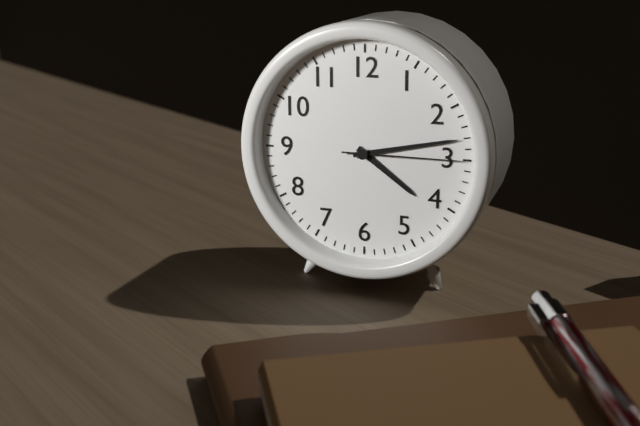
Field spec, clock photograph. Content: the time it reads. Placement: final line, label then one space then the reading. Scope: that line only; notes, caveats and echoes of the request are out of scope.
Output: 4:13:15
